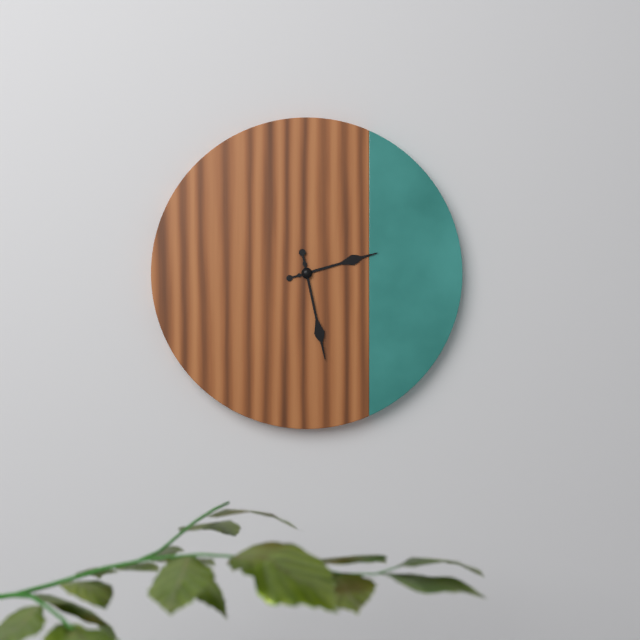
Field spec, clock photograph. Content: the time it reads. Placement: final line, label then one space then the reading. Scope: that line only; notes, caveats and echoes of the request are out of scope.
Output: 2:28
